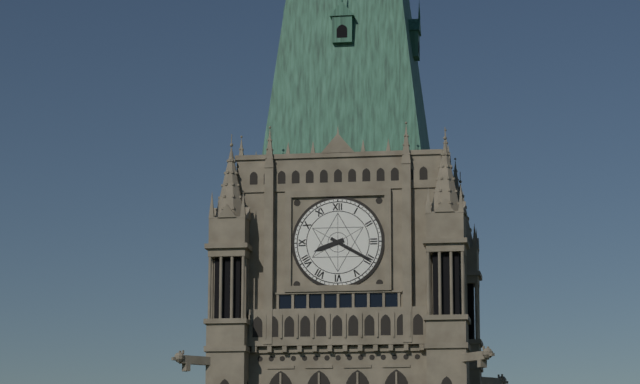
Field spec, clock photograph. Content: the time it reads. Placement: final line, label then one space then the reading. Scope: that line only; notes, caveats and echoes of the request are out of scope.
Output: 8:20
